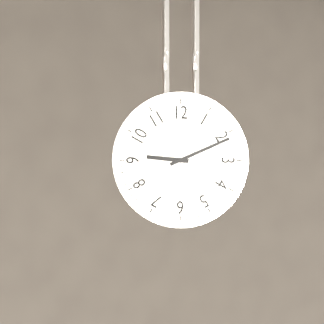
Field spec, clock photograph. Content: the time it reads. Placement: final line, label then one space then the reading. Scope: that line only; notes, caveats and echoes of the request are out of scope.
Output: 9:11
